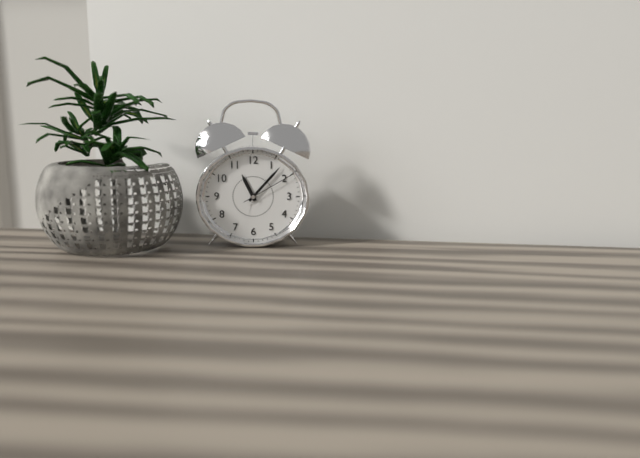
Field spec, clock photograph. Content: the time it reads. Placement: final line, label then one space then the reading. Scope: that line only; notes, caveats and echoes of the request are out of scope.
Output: 11:07:10
